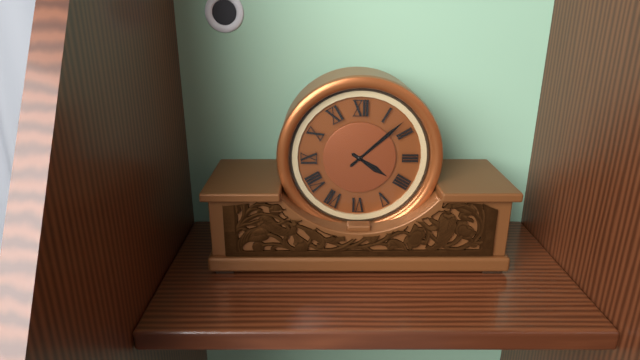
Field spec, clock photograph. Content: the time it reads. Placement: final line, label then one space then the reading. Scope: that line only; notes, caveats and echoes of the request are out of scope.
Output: 4:08
